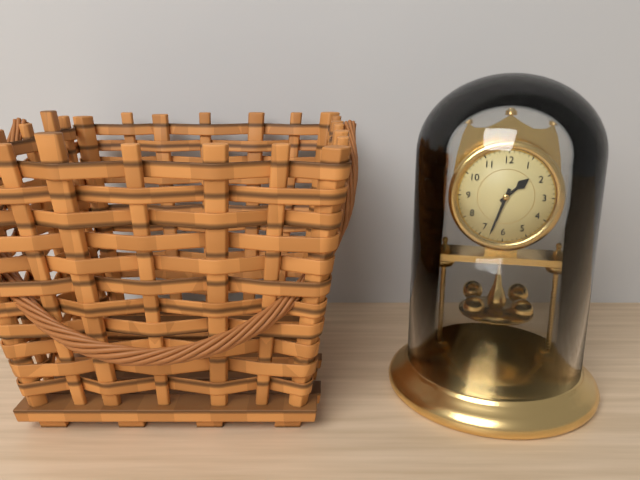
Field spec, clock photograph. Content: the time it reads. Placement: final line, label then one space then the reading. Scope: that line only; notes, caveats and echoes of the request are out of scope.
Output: 1:33
